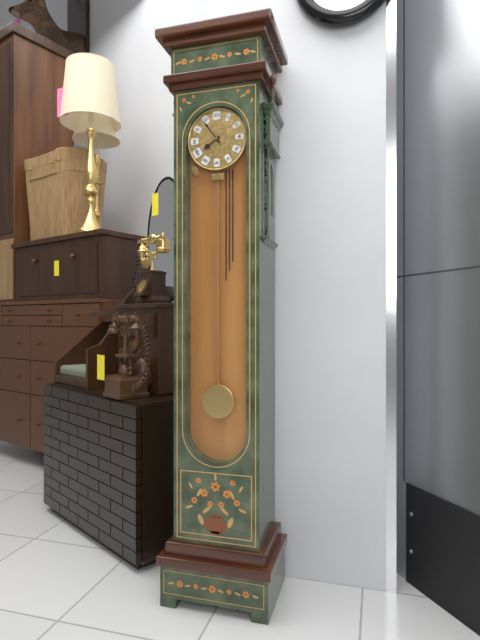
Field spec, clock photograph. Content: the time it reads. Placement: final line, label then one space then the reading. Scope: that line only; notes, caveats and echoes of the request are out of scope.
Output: 7:54
